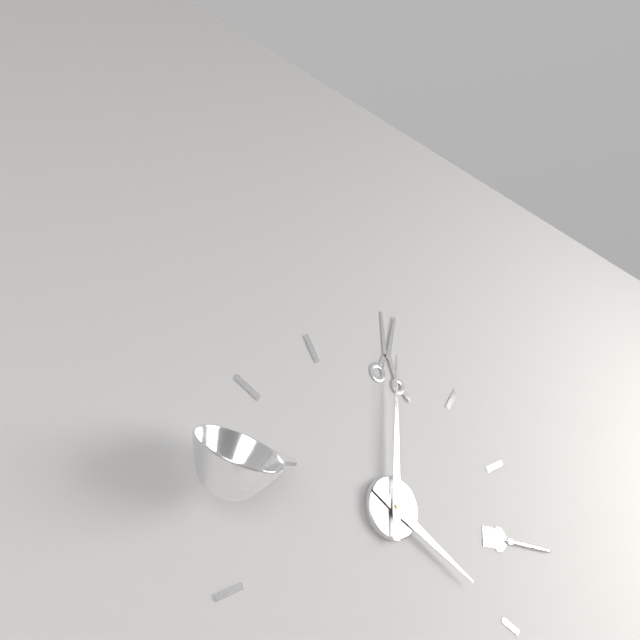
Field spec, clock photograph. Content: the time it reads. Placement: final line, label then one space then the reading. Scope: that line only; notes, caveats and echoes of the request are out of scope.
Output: 4:00
